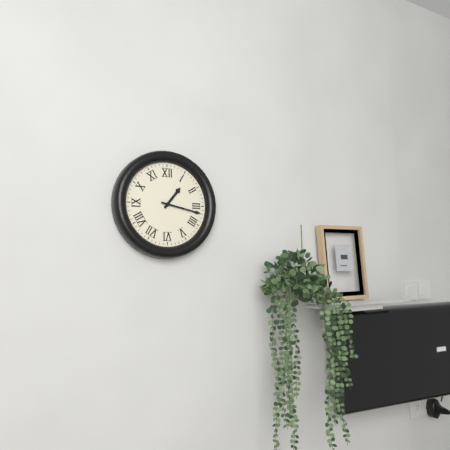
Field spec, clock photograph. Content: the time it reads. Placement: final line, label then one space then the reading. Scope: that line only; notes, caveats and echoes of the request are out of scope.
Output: 1:17
